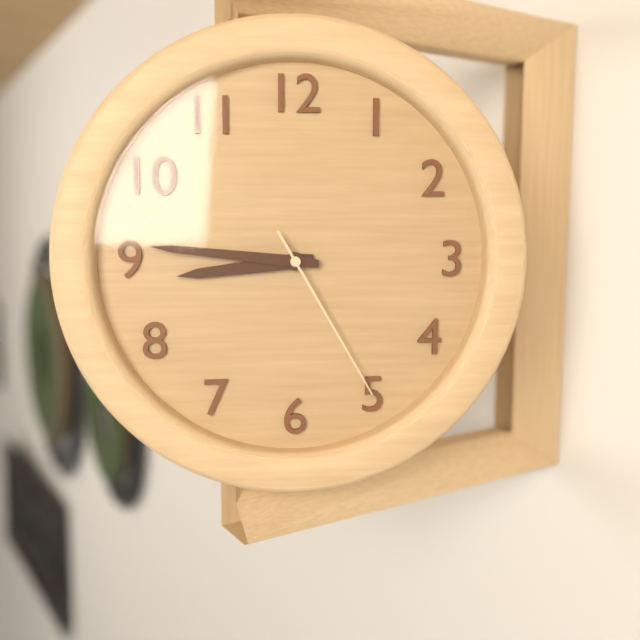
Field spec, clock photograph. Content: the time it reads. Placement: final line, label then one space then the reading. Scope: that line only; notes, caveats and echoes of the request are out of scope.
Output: 8:46:25
